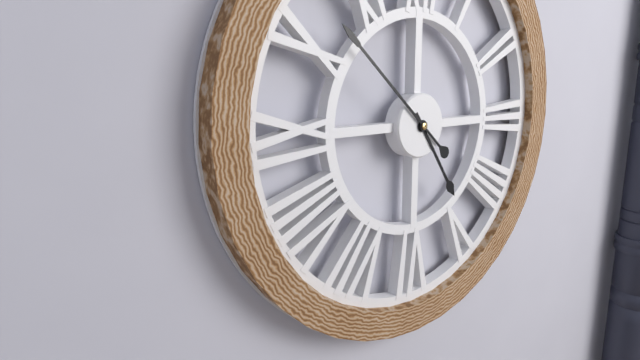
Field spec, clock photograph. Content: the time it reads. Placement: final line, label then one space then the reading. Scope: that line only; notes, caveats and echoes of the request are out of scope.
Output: 4:52
